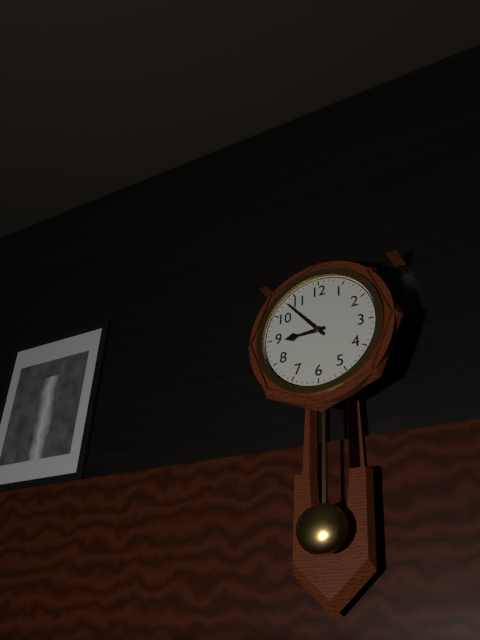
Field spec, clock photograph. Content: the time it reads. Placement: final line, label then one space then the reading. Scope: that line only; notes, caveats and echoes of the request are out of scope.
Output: 8:53
